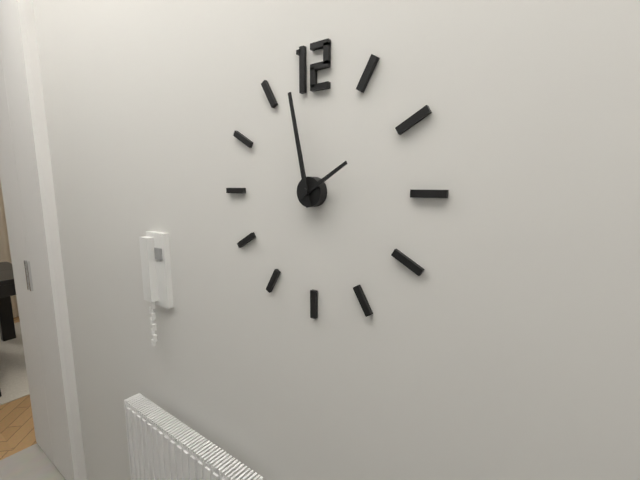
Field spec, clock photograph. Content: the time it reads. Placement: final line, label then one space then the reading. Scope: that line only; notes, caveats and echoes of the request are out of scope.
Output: 1:58
